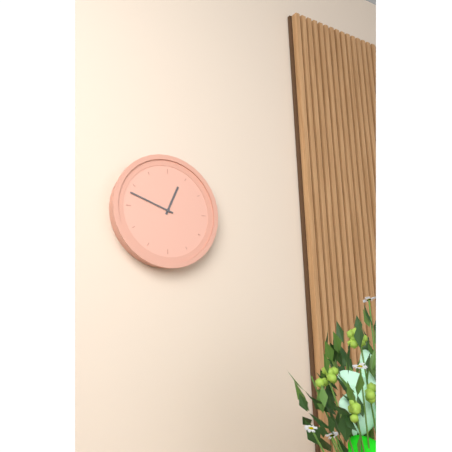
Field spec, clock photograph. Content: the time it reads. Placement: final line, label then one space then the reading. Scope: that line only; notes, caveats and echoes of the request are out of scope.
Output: 12:48
